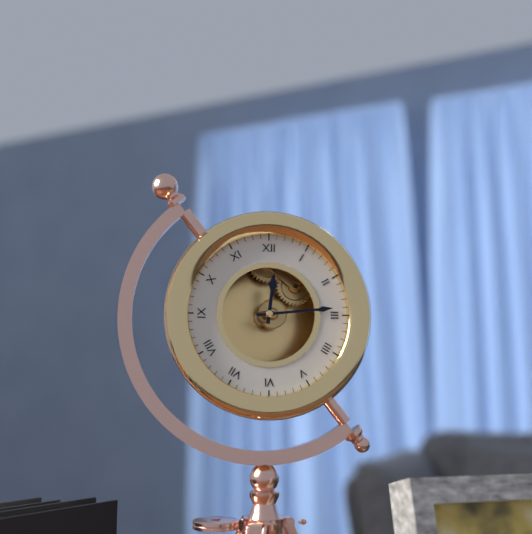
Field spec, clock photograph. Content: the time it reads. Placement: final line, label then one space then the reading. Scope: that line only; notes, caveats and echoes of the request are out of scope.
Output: 12:14
